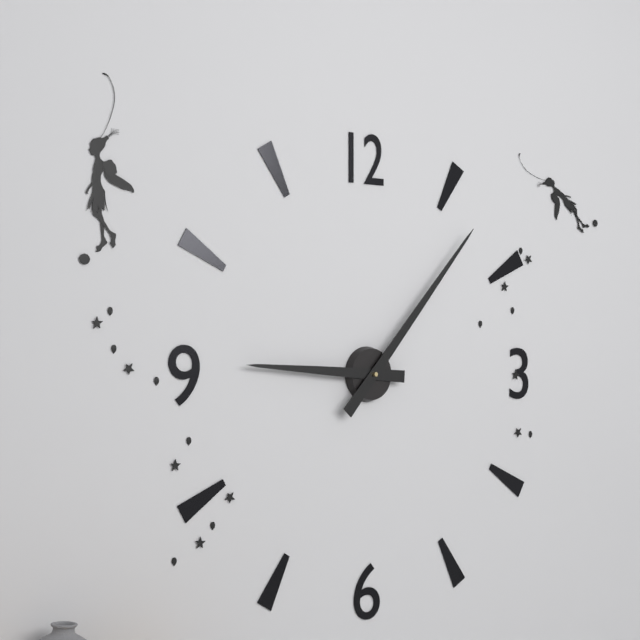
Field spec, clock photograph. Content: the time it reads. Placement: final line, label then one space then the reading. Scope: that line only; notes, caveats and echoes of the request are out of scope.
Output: 9:07
